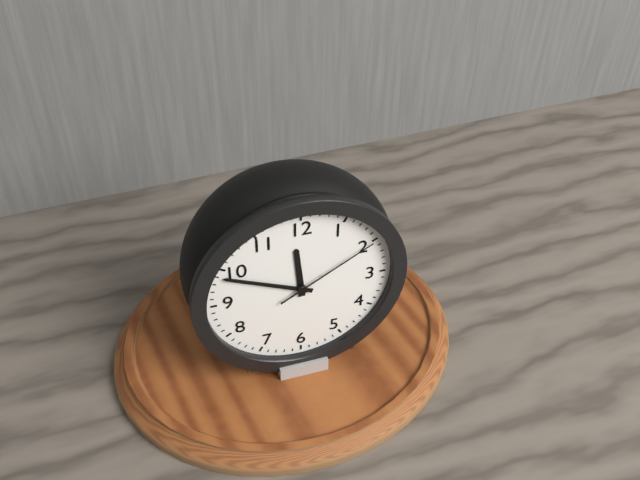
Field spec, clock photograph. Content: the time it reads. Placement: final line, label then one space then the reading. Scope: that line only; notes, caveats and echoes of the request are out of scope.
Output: 11:49:10
